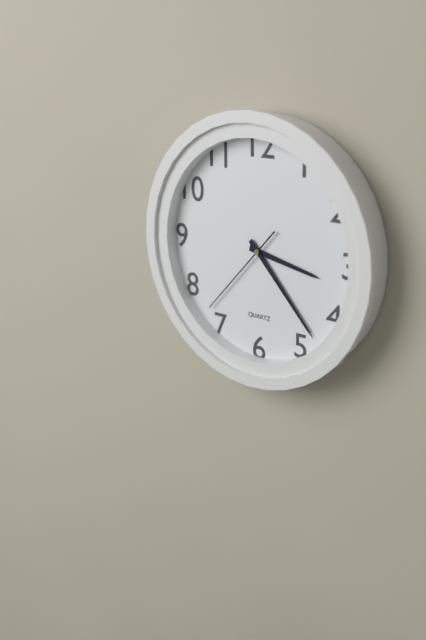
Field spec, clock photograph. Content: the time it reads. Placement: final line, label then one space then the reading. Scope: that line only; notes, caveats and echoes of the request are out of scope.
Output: 3:23:37
